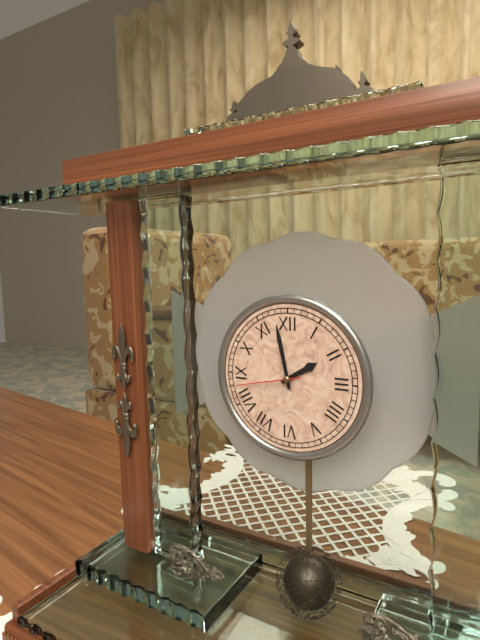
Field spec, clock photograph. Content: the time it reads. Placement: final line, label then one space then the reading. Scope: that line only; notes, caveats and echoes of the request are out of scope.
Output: 1:58:43
